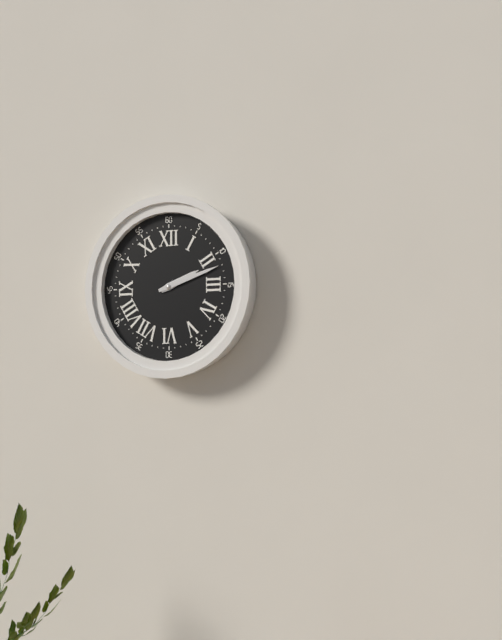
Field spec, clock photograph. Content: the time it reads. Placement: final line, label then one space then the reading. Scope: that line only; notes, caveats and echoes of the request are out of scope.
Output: 2:12
